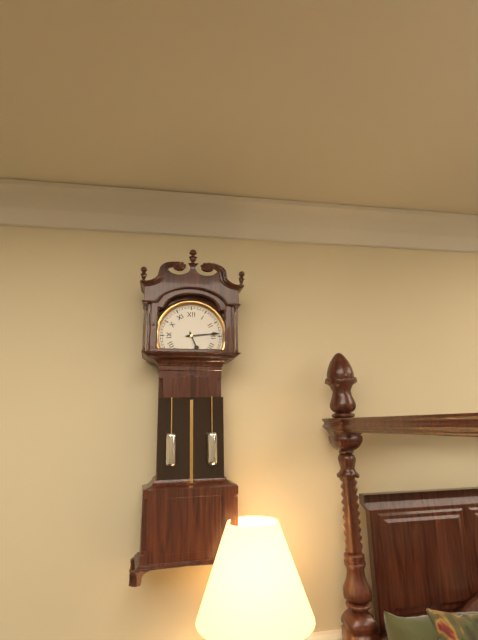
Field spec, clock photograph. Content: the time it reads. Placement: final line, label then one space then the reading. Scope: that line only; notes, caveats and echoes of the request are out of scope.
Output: 5:14
